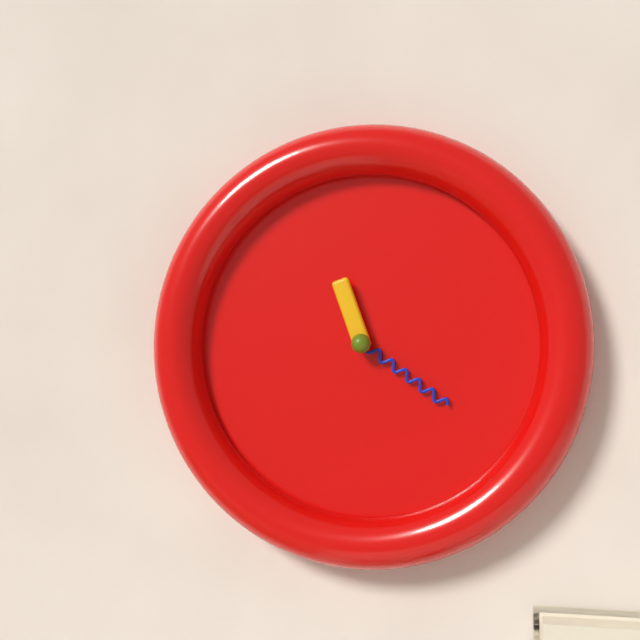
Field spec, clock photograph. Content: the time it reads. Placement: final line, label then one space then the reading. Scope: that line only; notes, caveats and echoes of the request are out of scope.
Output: 11:21
